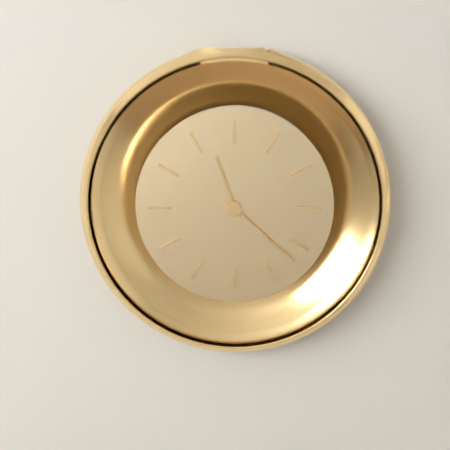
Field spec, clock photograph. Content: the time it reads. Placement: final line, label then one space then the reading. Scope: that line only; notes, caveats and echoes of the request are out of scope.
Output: 11:22
